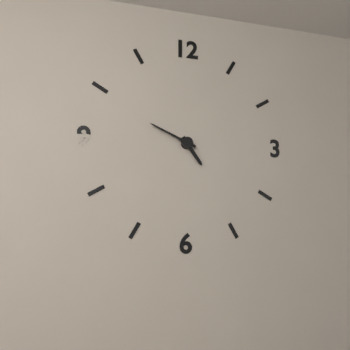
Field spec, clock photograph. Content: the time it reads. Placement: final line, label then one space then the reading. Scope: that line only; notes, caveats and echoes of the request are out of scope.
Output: 4:49
